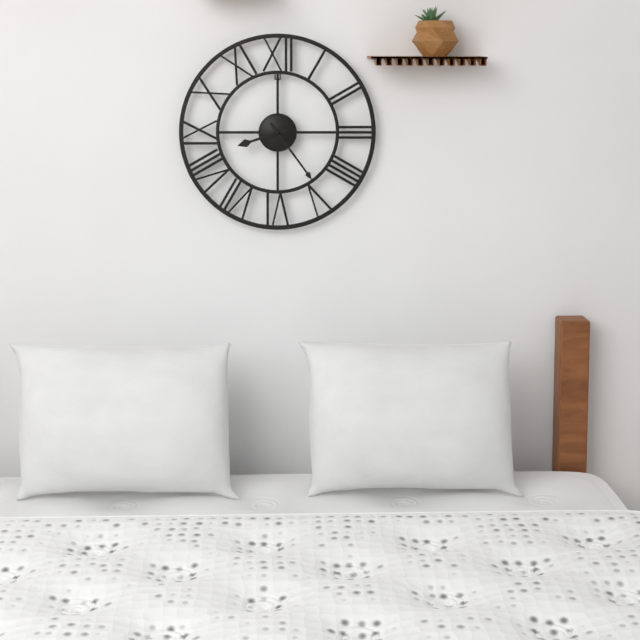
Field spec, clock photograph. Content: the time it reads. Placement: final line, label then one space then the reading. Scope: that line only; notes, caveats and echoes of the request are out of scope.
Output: 8:24
